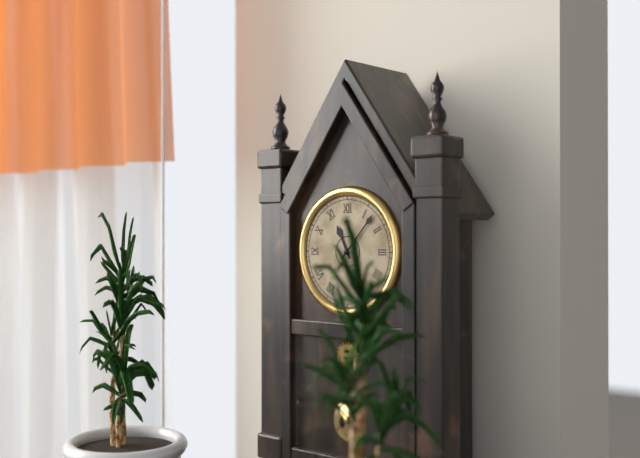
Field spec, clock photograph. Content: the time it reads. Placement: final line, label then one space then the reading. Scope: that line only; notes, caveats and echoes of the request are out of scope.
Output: 11:07
